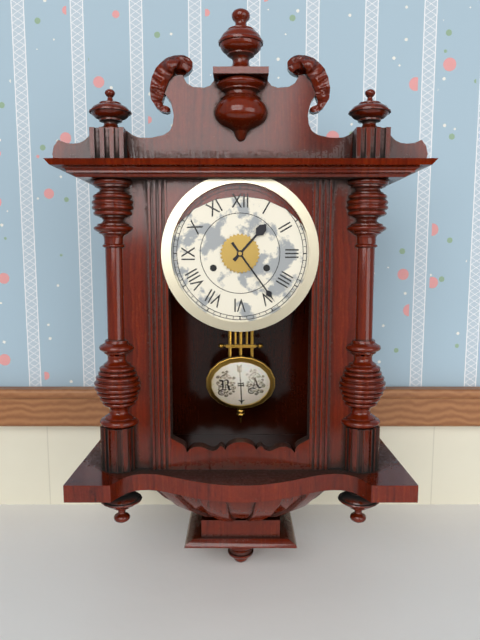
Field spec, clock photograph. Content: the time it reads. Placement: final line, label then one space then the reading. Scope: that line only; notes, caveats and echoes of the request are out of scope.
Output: 1:24
